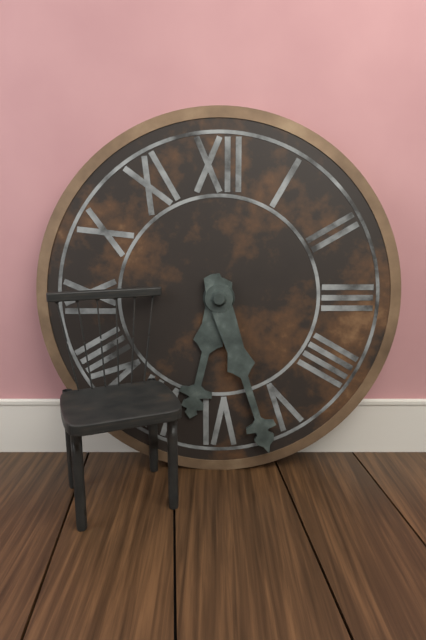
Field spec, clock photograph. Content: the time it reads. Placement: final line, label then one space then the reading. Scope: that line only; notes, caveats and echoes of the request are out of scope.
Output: 6:27
